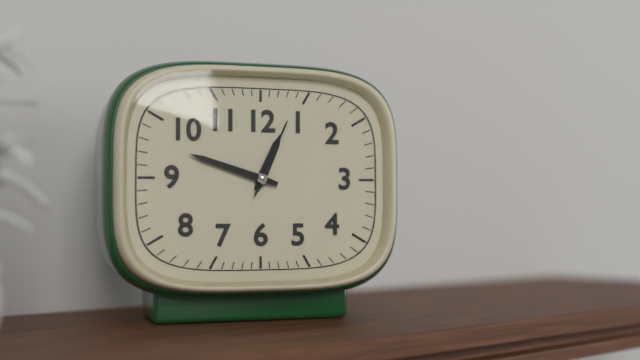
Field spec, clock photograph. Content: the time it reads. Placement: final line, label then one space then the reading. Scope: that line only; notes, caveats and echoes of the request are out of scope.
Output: 12:48:04
